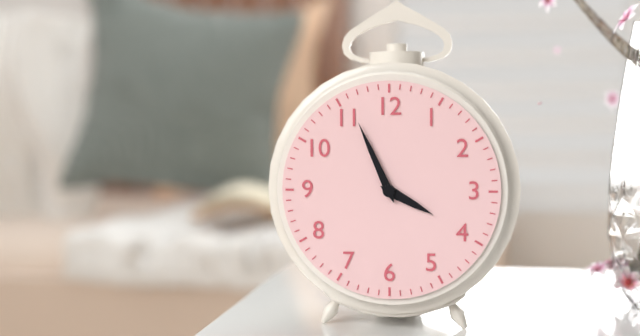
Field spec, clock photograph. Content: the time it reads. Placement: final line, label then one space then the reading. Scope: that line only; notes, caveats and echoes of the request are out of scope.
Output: 3:56
